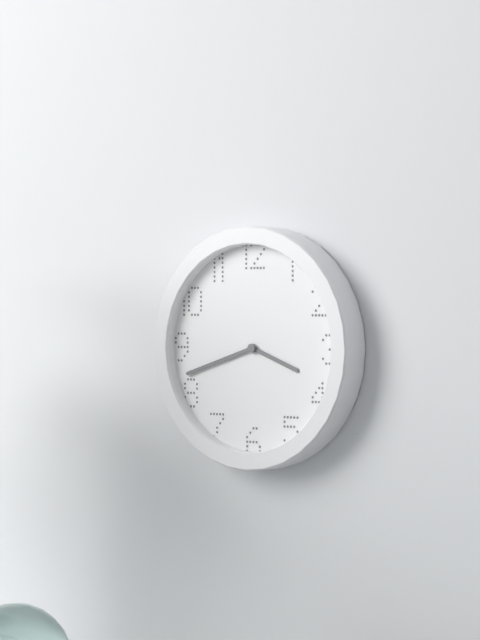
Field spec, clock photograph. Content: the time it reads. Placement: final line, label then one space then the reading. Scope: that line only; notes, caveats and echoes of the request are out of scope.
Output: 3:42
